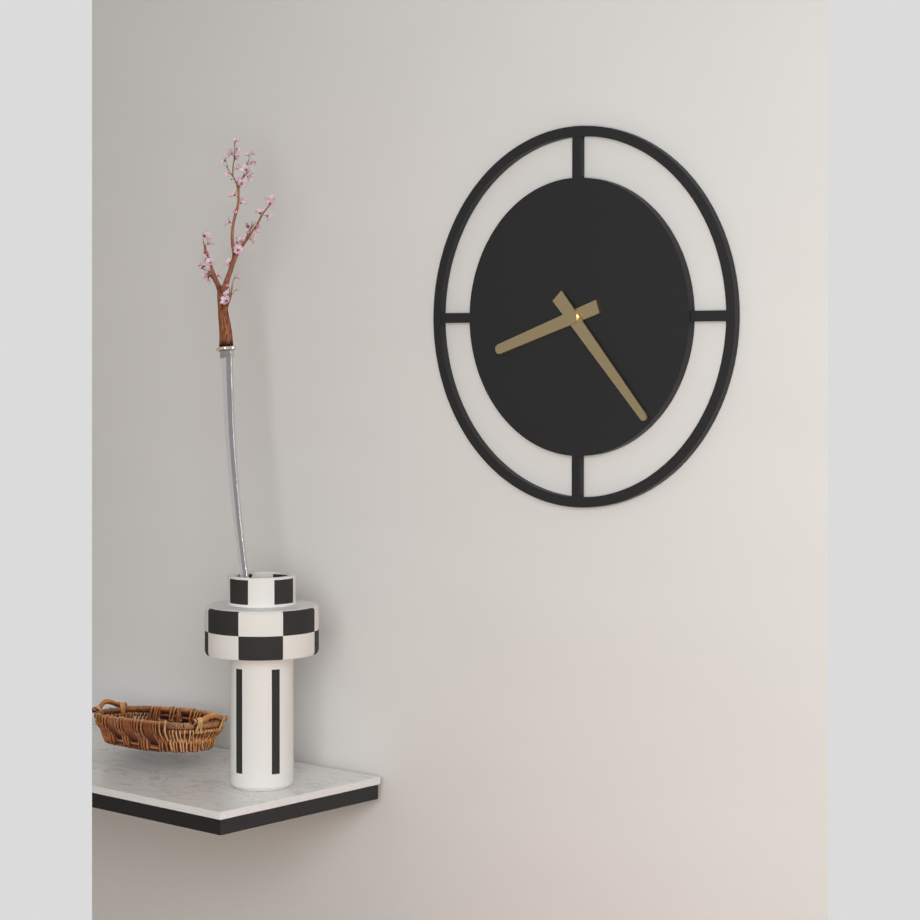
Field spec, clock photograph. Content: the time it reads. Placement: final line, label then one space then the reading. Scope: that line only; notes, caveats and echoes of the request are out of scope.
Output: 8:23
